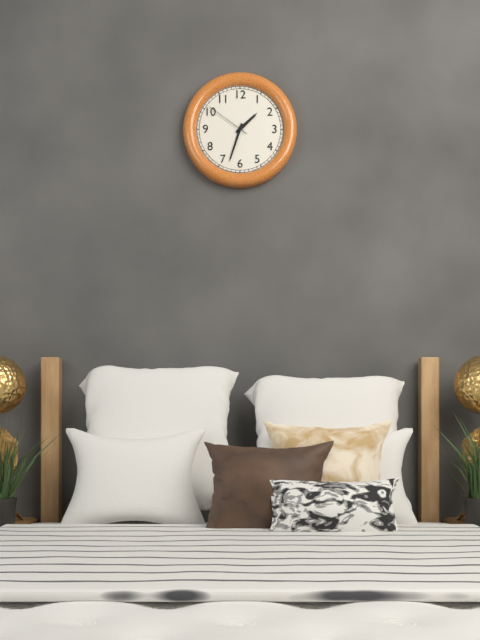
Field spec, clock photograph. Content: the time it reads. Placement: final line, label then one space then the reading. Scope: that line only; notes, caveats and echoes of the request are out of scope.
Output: 1:33
